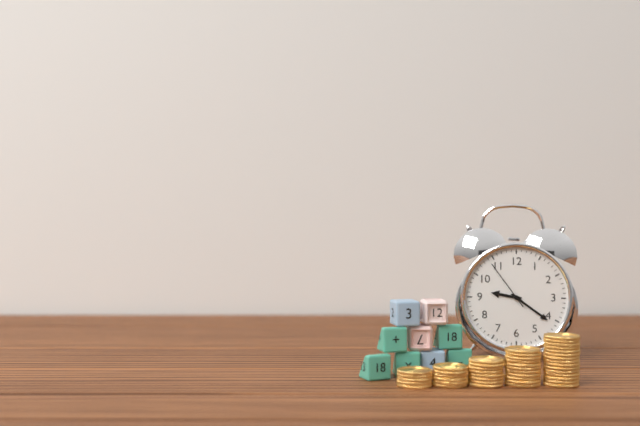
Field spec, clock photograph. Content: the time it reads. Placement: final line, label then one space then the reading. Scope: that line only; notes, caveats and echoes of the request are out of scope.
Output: 9:21:54
